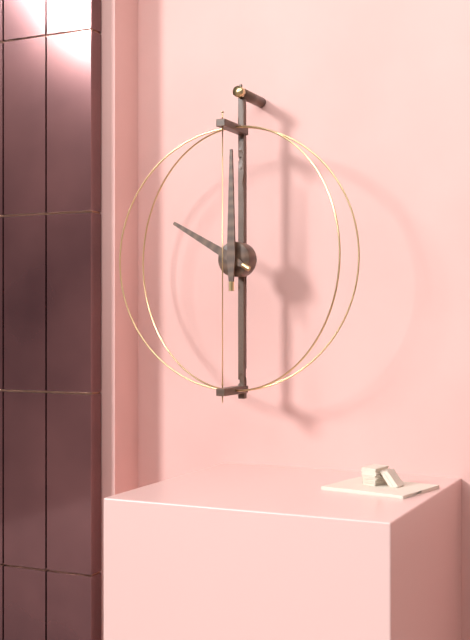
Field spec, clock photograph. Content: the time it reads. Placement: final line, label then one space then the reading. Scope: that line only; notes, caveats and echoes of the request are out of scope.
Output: 10:00
